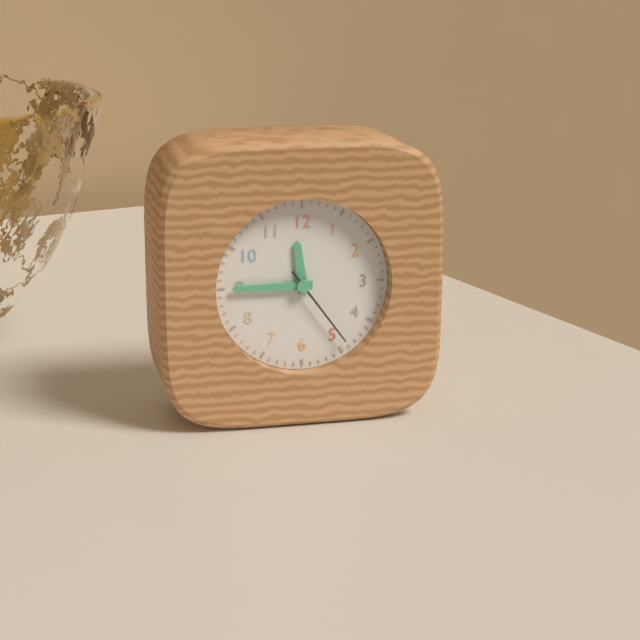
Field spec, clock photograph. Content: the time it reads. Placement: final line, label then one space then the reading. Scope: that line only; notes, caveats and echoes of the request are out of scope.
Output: 11:45:24
